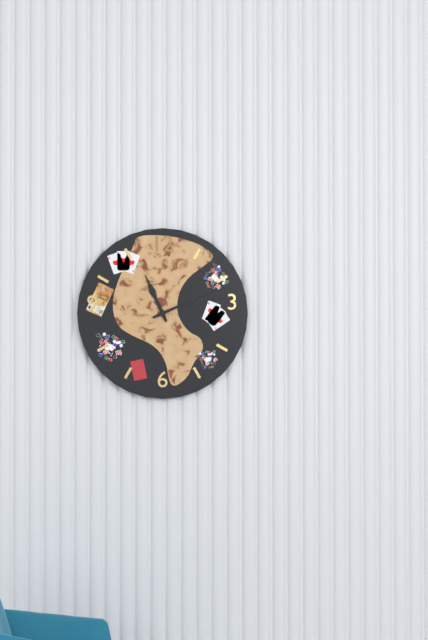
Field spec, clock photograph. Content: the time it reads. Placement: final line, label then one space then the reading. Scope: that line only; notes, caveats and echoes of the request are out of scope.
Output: 11:11
